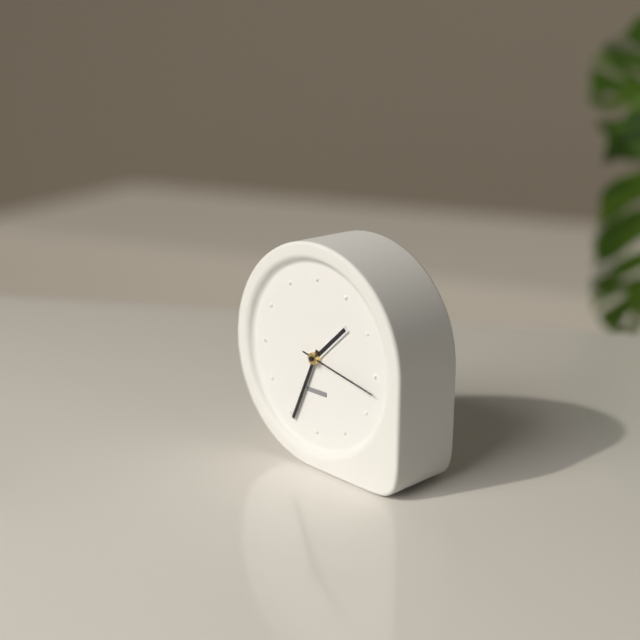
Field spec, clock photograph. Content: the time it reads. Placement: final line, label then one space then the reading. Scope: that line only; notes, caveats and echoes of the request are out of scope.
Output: 1:34:17
